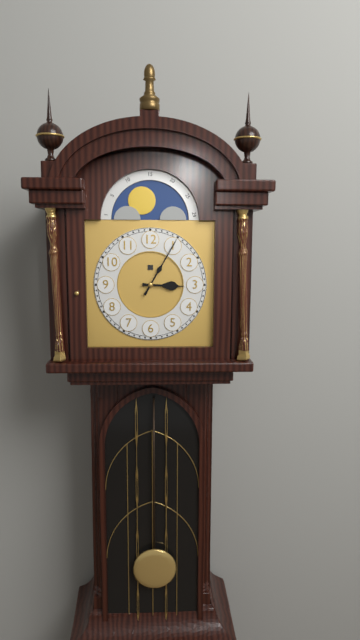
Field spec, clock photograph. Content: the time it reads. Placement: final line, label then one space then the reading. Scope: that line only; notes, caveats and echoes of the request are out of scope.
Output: 3:05
